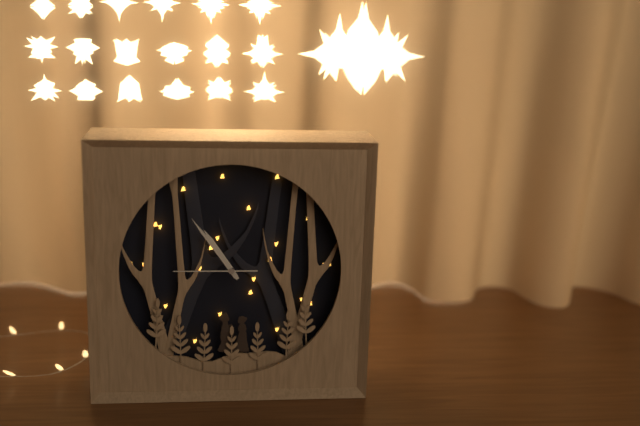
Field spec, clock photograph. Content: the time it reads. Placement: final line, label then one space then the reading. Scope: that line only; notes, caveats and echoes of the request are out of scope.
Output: 10:54:45
